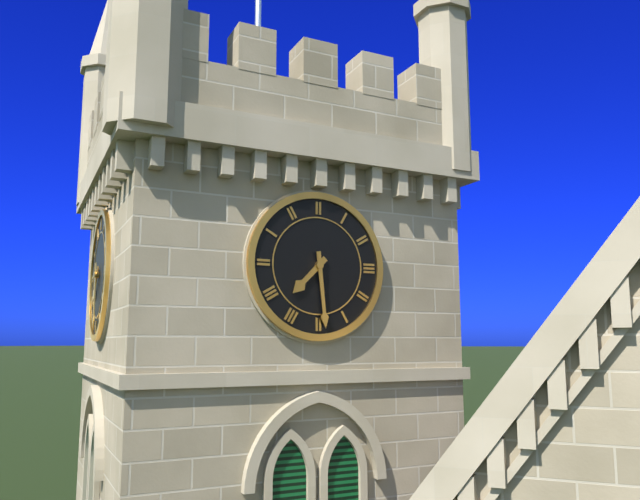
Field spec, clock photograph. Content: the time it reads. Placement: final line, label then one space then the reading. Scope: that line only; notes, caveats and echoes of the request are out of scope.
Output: 7:29
